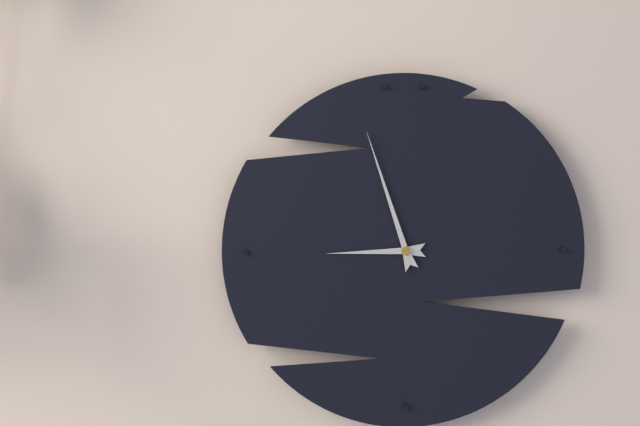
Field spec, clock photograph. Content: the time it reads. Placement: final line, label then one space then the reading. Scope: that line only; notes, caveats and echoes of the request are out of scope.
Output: 8:57
